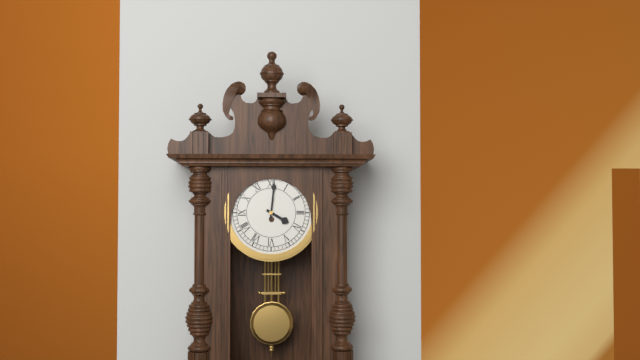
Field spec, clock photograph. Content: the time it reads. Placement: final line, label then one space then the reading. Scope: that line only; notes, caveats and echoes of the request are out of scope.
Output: 4:01
